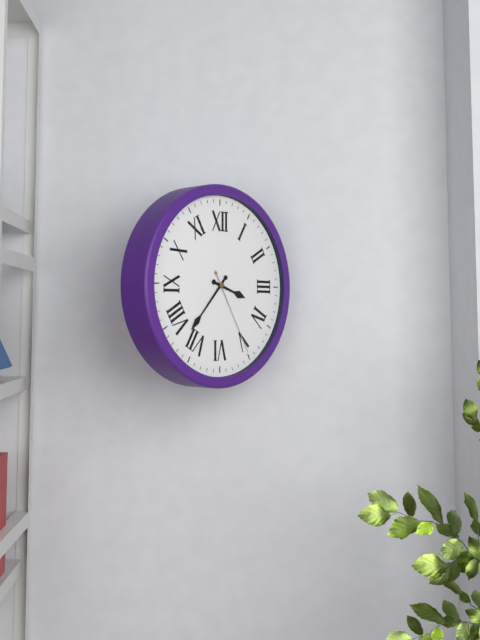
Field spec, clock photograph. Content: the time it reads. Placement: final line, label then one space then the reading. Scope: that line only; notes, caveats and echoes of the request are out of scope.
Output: 3:37:25
